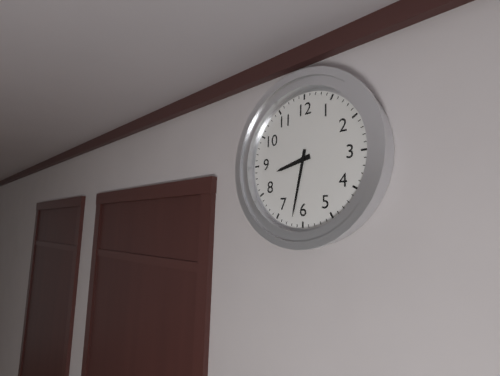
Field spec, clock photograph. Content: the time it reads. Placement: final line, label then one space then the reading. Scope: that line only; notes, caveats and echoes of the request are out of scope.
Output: 8:32
